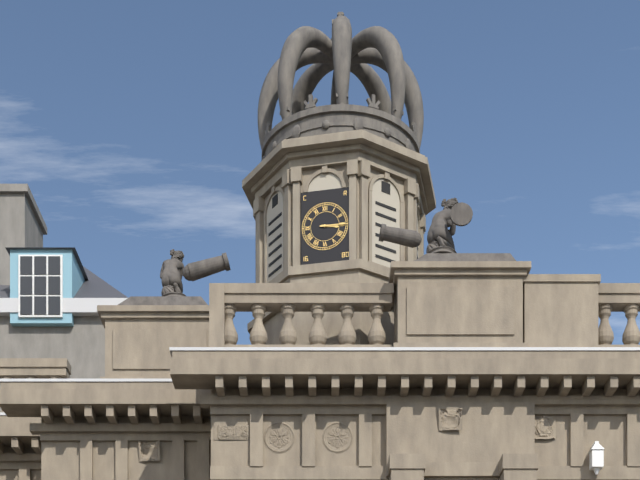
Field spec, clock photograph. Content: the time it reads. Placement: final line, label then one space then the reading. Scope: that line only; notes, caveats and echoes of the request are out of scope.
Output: 3:15
